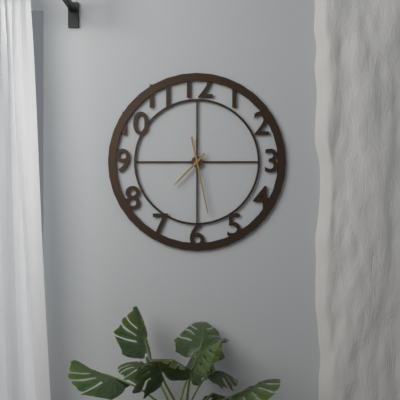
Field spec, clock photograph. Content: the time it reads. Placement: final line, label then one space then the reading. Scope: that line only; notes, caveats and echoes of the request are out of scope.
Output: 7:28
